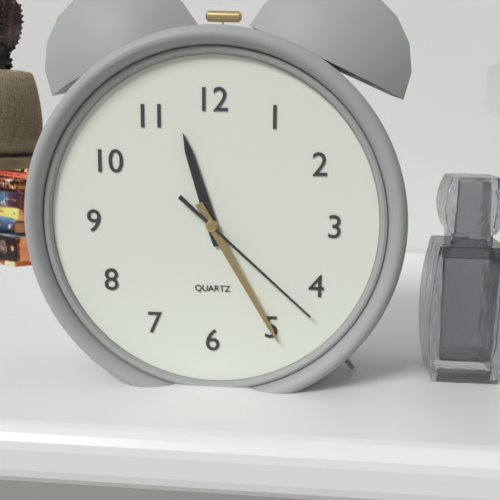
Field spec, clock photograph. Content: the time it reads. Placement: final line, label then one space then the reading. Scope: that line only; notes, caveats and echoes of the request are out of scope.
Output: 11:25:22
